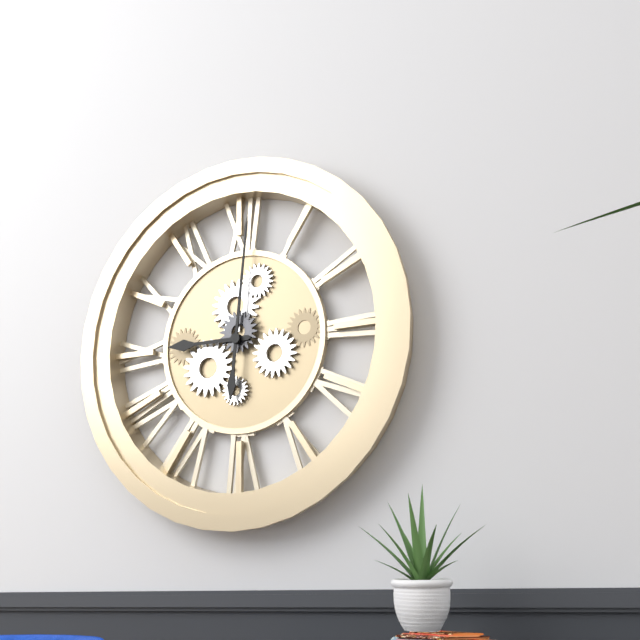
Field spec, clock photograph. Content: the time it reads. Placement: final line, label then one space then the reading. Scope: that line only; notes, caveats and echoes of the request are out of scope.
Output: 9:01
